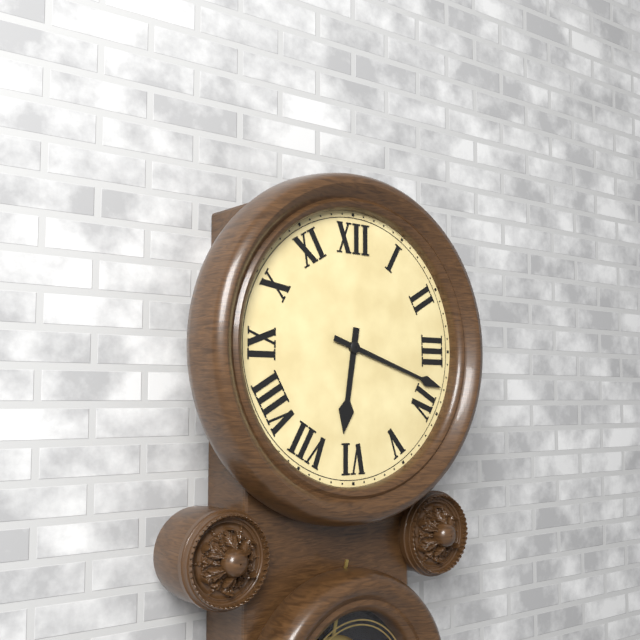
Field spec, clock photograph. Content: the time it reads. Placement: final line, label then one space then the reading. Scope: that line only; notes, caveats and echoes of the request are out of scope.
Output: 6:18
